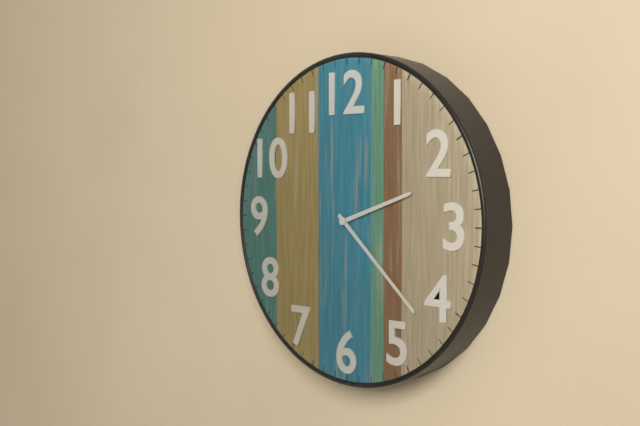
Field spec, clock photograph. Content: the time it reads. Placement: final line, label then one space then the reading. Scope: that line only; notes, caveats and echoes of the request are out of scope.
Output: 2:22
